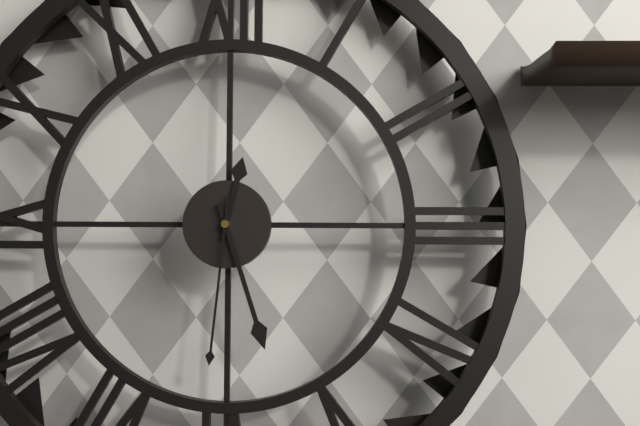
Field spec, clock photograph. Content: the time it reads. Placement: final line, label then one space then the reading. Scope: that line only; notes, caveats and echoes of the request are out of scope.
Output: 12:27:31
